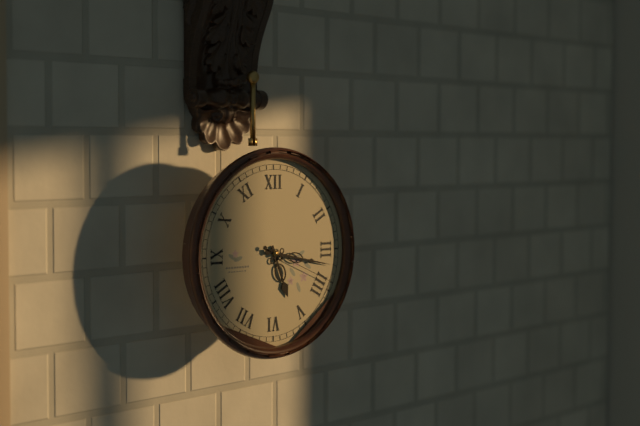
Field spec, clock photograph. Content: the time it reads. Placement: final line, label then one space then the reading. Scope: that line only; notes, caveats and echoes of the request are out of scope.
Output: 5:17:19
